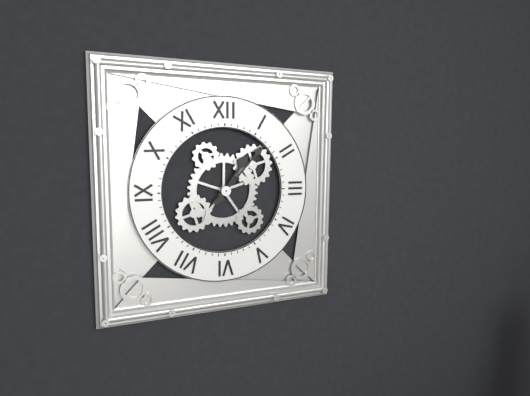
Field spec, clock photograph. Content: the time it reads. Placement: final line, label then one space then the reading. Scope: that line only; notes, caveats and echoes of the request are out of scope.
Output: 1:07
